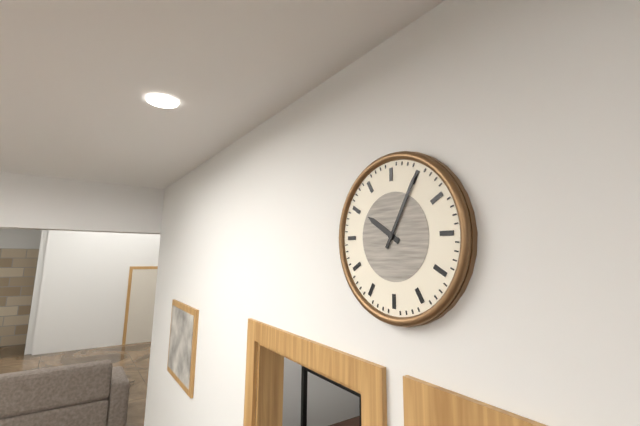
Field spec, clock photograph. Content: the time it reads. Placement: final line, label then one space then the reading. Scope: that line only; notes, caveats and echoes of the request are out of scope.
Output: 10:05
